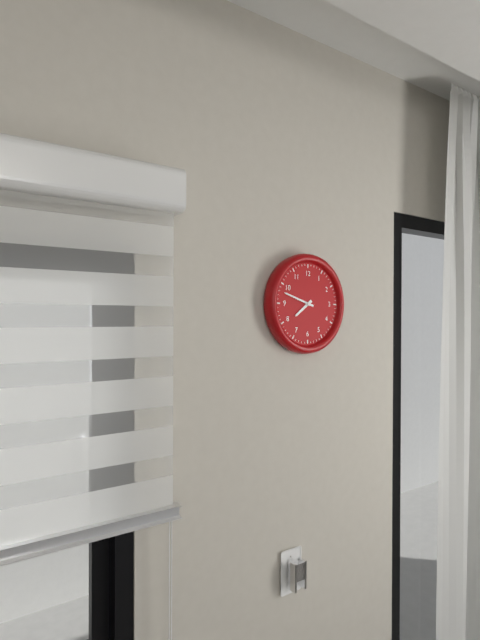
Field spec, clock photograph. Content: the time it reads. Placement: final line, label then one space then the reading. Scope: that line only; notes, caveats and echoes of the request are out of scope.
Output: 7:48
